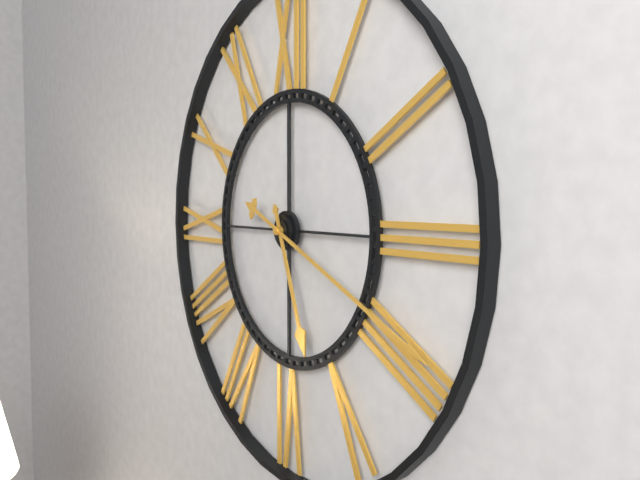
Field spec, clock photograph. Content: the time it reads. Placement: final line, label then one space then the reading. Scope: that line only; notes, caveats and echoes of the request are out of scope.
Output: 5:19
